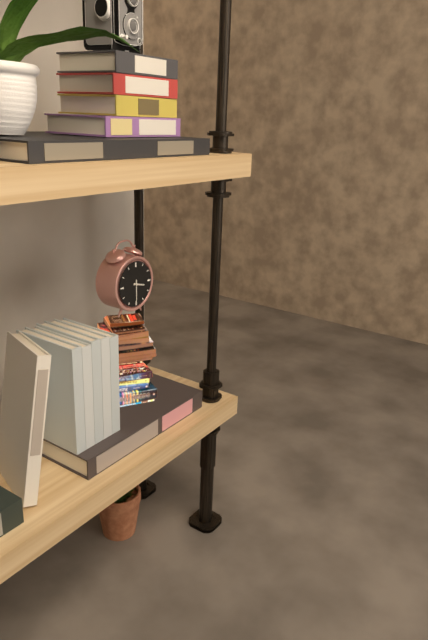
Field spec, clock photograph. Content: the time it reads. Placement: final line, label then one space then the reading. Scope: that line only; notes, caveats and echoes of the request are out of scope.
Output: 3:30
